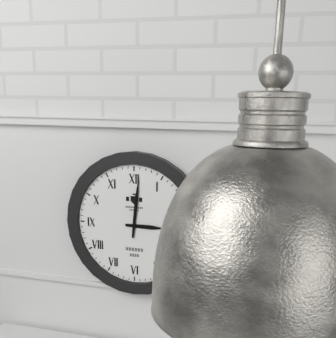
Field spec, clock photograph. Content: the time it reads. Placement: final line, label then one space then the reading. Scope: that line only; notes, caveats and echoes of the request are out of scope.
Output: 3:01
